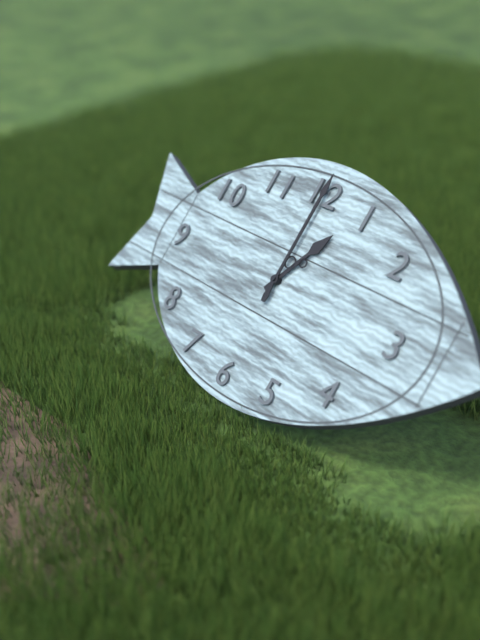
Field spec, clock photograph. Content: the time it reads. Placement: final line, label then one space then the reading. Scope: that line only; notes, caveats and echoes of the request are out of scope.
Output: 1:00
